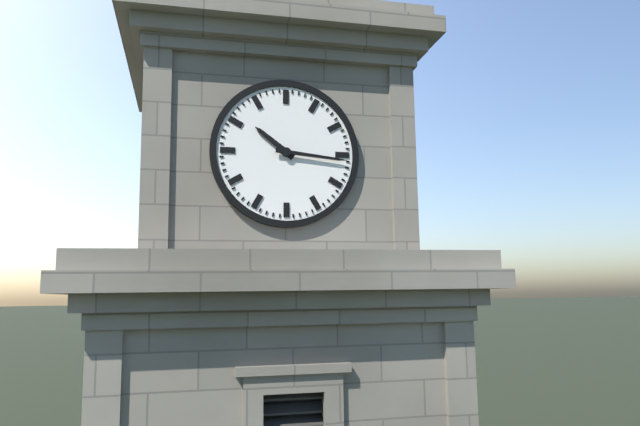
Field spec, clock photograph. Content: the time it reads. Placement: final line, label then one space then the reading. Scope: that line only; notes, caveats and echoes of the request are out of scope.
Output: 10:16
